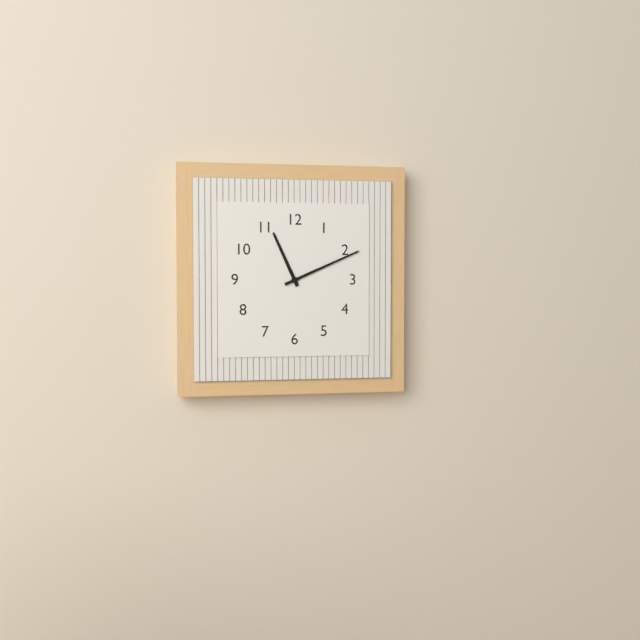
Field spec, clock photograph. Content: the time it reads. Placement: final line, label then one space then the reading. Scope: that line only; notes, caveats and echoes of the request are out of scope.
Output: 11:11
